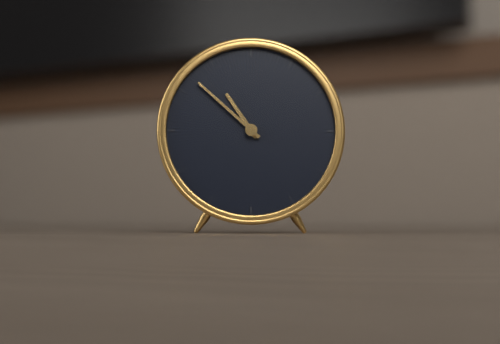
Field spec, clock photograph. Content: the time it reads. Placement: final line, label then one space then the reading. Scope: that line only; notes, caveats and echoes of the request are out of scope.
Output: 10:52
